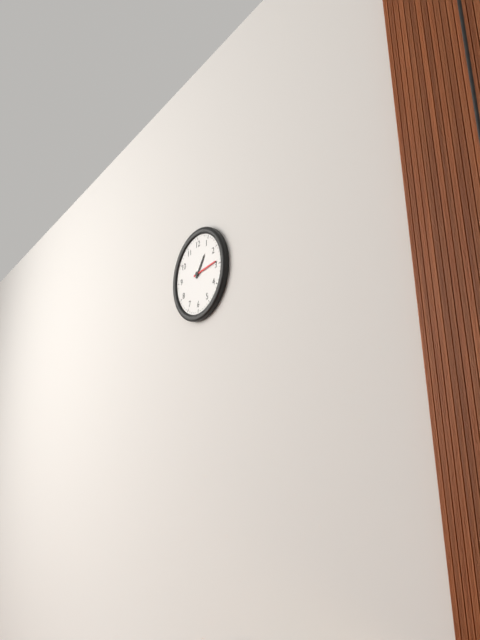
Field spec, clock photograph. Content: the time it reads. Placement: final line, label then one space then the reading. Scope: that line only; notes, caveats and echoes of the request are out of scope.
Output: 1:14
